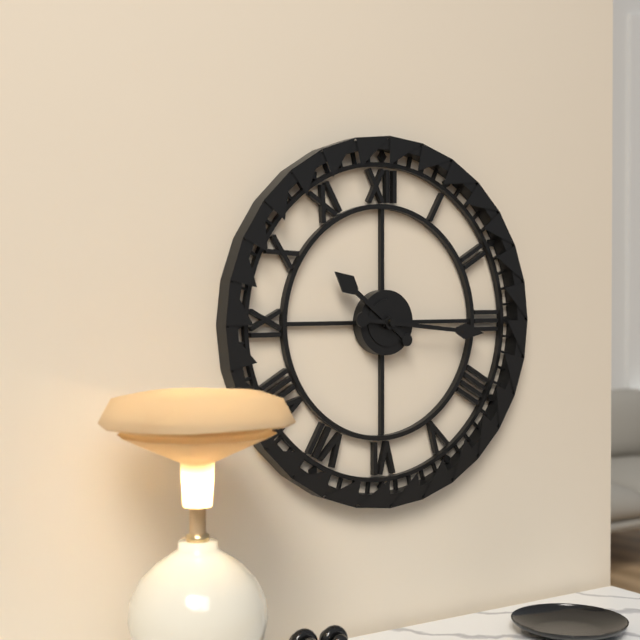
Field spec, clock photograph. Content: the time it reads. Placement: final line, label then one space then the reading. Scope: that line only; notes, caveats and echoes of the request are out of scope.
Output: 10:16
